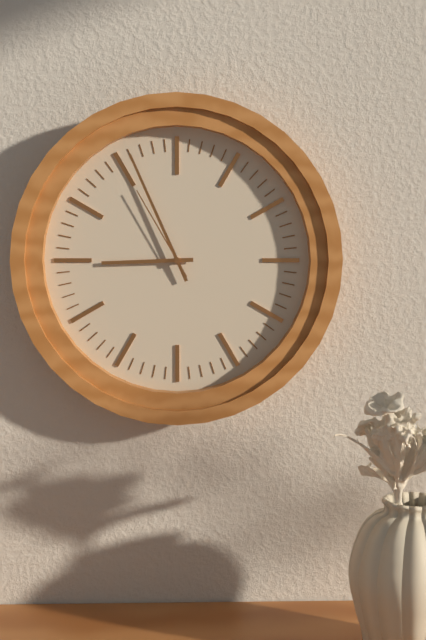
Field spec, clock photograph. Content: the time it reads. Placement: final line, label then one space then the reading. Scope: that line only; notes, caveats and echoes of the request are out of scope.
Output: 8:56:55
